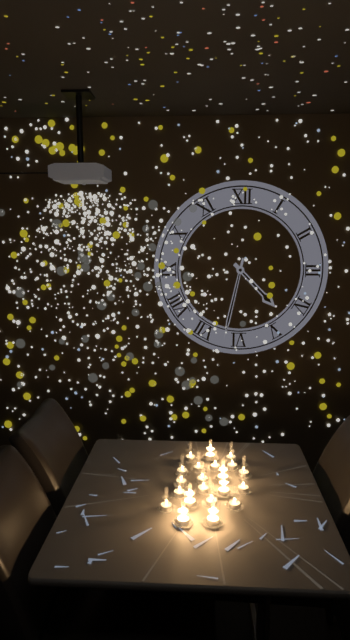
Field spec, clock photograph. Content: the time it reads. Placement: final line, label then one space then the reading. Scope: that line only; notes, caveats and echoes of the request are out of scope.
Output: 4:32
